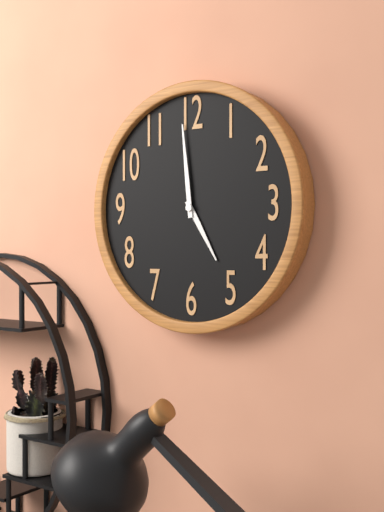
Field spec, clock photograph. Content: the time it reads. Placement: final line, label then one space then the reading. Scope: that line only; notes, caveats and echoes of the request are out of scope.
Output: 4:59
